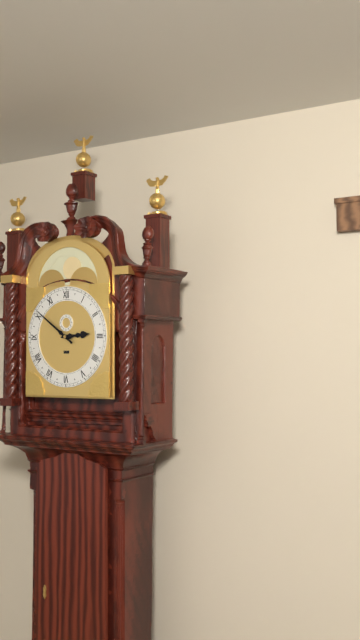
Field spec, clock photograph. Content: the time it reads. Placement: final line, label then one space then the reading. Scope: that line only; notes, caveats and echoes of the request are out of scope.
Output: 2:51
